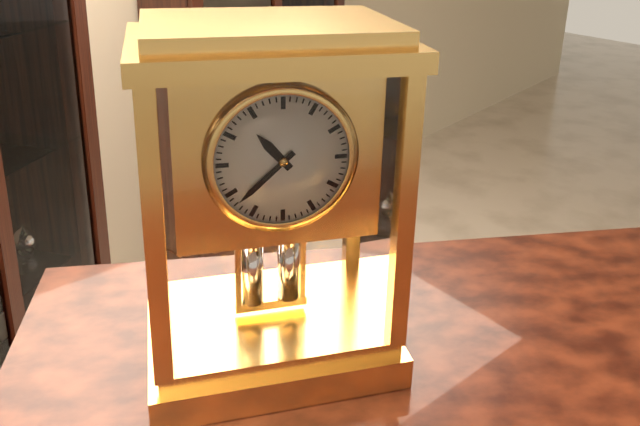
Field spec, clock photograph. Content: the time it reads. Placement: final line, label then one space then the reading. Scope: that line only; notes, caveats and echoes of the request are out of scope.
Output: 10:38
